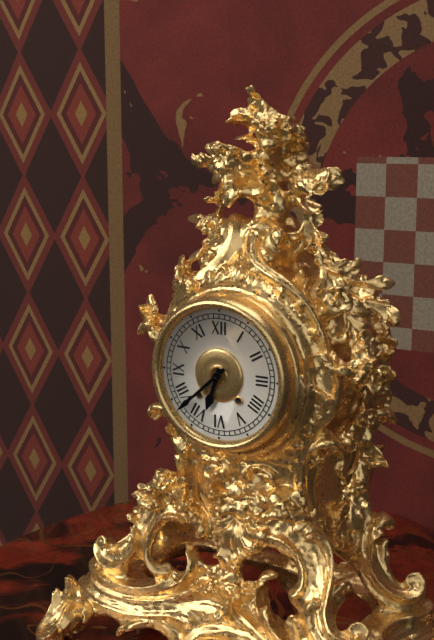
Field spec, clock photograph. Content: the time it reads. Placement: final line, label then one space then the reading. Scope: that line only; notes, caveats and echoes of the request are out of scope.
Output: 6:38
